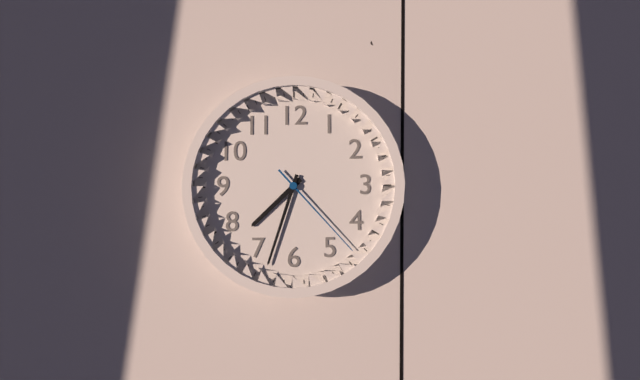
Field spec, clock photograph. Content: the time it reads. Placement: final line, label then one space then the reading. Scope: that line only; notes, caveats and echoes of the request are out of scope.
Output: 7:33:23
